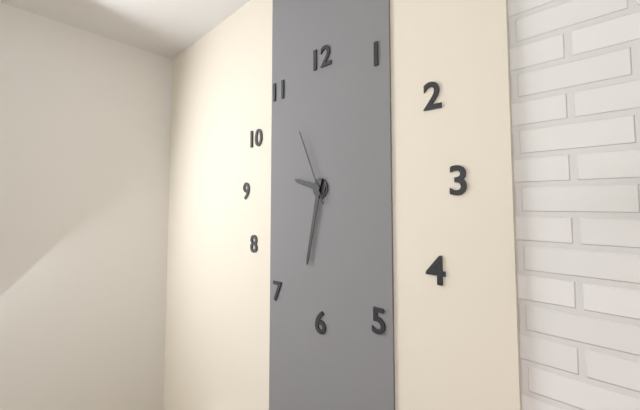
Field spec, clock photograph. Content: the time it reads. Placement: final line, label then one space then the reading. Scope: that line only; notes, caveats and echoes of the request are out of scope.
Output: 9:32:56
